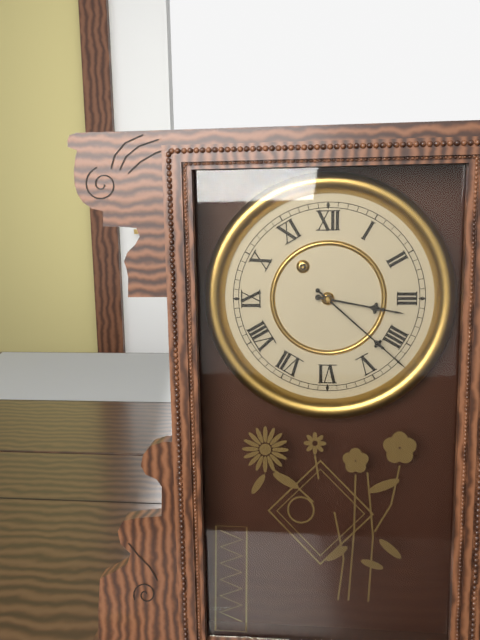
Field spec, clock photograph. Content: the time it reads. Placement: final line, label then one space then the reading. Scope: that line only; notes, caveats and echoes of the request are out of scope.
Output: 3:22
